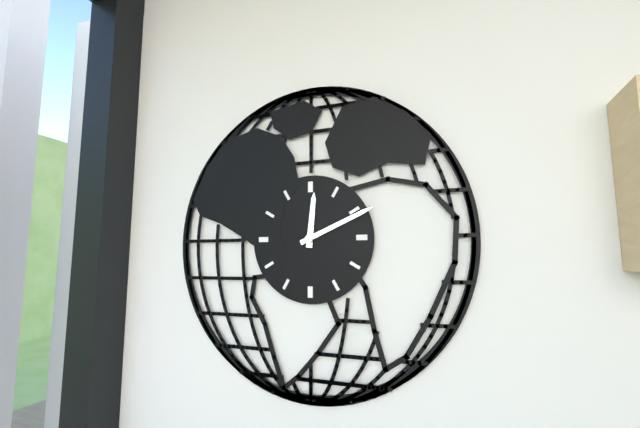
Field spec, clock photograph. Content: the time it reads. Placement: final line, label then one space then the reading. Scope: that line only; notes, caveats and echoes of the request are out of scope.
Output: 12:11
